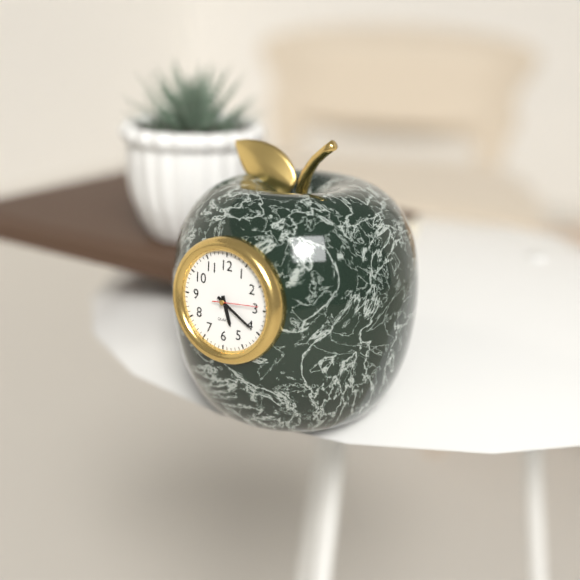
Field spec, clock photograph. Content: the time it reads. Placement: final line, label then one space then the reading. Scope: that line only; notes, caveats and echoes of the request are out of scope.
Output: 5:20
